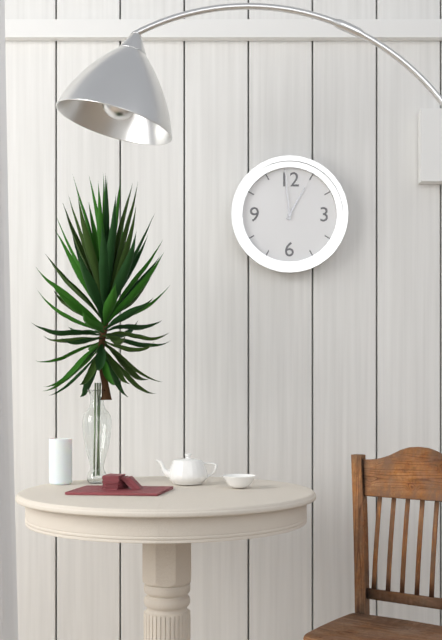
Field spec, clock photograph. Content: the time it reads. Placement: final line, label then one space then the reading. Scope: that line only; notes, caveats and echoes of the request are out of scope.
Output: 12:59
